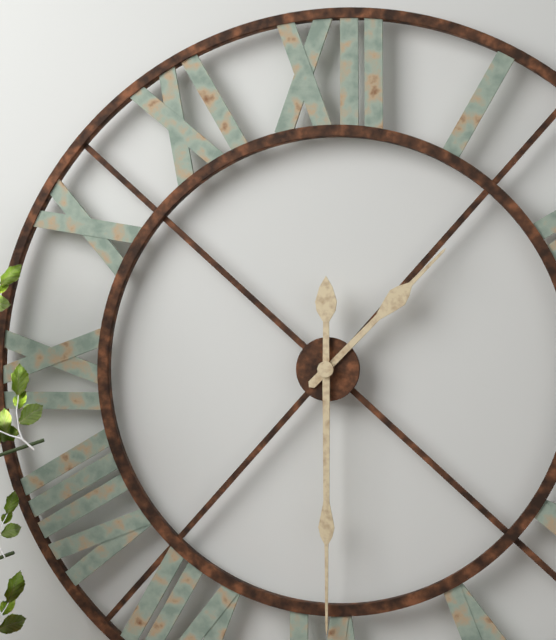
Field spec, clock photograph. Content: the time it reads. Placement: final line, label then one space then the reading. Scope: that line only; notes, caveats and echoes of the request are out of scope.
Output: 1:30
